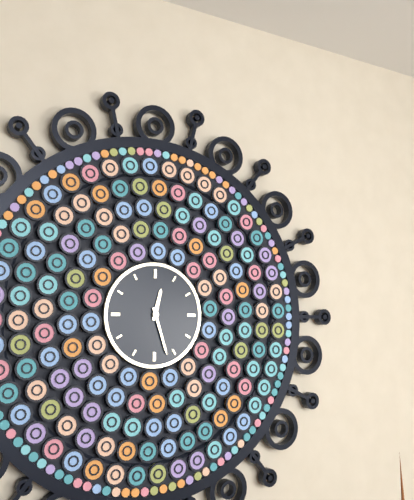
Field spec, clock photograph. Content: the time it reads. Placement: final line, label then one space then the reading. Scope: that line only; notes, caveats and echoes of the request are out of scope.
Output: 12:27
